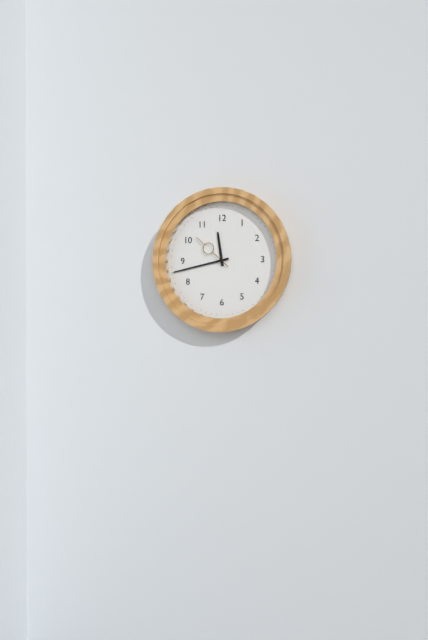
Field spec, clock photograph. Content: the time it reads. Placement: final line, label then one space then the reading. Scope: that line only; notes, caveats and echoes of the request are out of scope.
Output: 11:43
